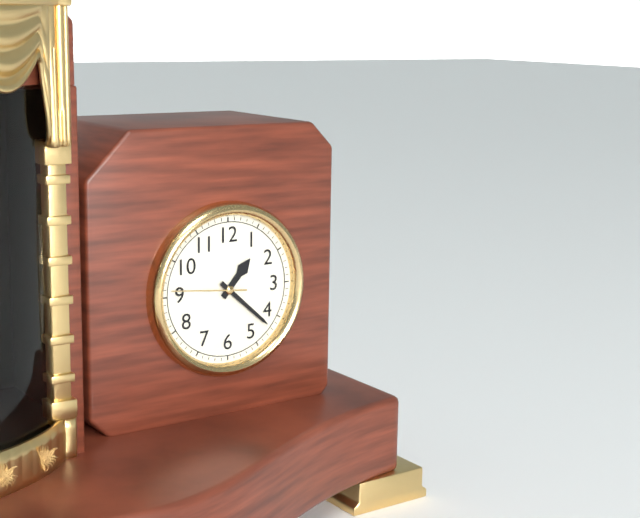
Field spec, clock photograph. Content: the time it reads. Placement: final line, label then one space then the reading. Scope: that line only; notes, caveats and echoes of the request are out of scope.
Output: 1:22:46
